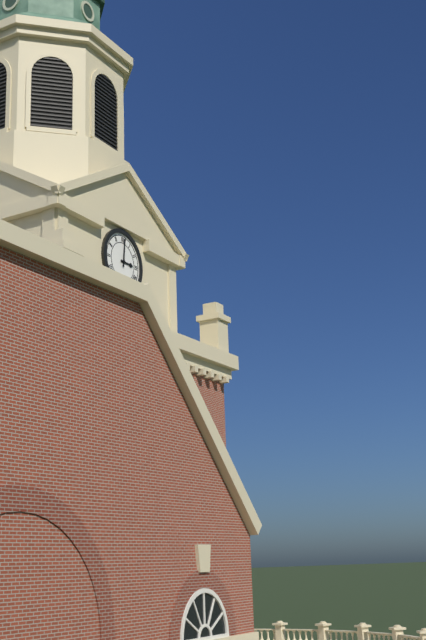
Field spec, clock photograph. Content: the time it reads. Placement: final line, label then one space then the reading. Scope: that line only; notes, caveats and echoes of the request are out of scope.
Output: 3:01
